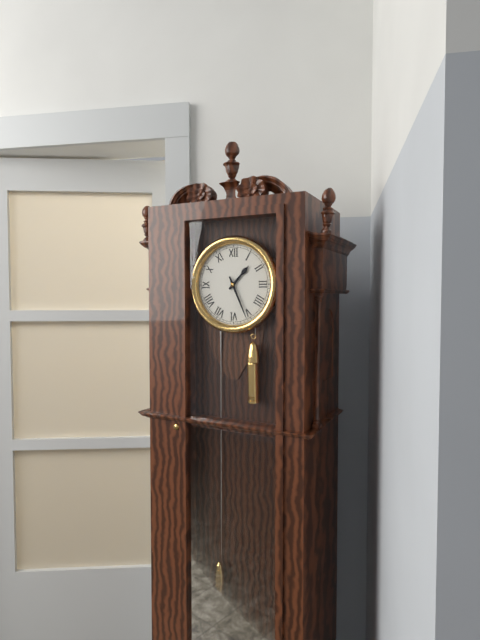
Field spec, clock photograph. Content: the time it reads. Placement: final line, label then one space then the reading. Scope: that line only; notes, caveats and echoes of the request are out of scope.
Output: 1:26
